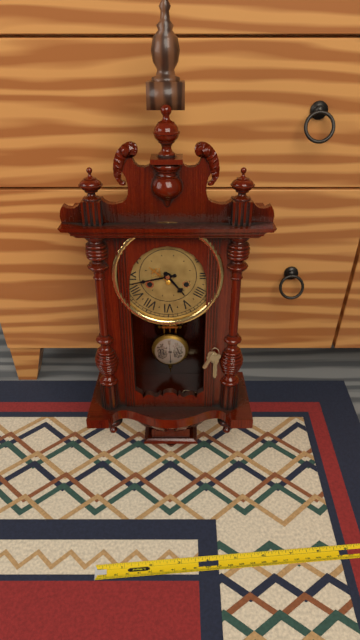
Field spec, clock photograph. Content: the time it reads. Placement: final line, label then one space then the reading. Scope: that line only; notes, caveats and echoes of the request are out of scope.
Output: 4:43
